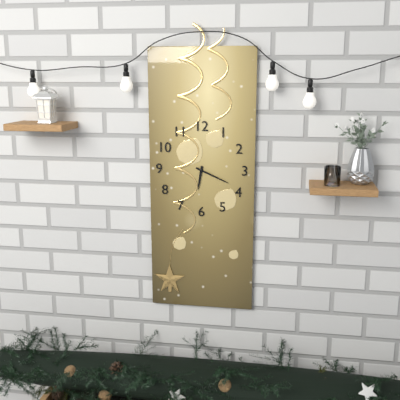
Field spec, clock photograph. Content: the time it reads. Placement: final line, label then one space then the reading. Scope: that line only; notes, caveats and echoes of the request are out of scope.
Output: 6:19
